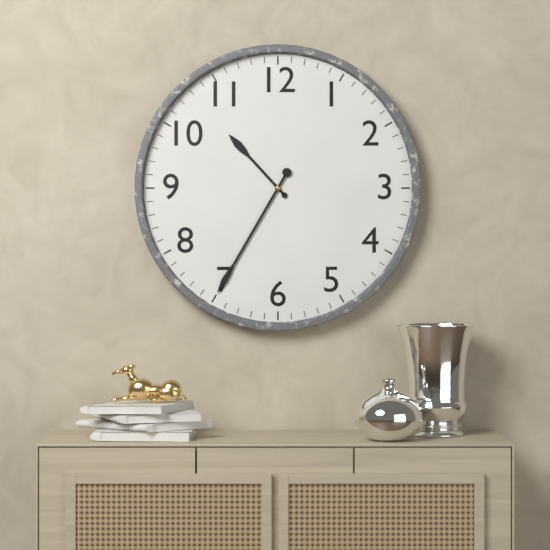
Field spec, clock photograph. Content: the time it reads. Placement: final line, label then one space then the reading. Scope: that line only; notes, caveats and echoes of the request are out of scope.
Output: 10:35
